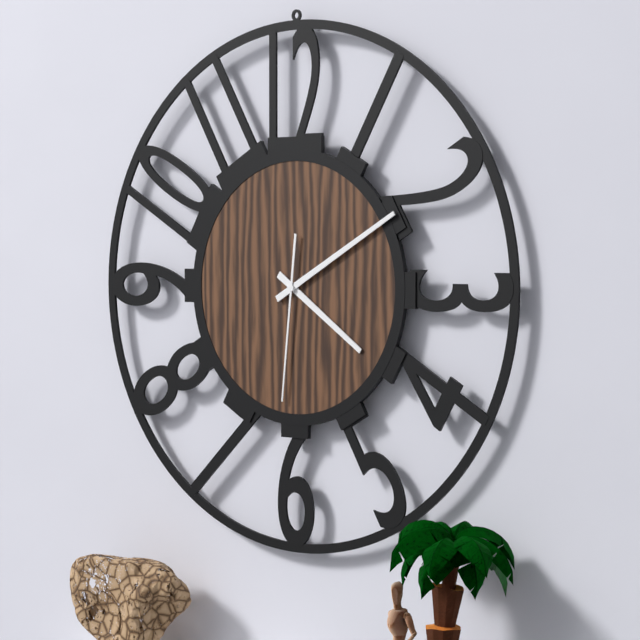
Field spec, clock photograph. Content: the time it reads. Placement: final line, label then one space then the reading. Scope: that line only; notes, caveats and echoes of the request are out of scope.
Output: 4:10:31
